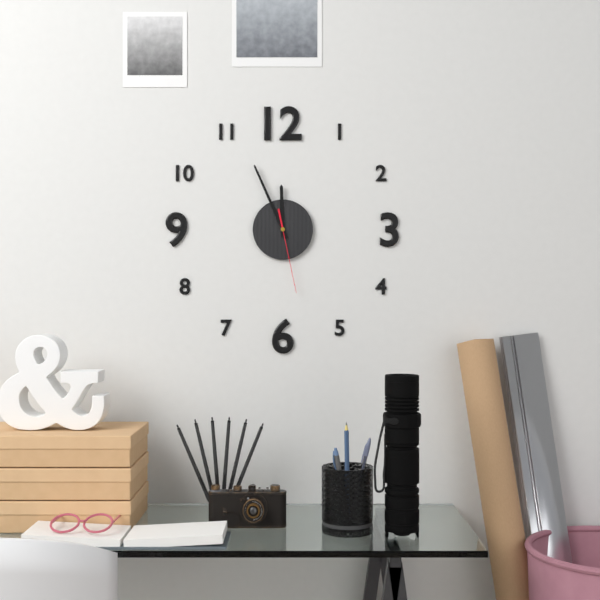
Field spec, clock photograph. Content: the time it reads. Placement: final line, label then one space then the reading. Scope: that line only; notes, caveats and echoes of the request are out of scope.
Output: 11:56:28
